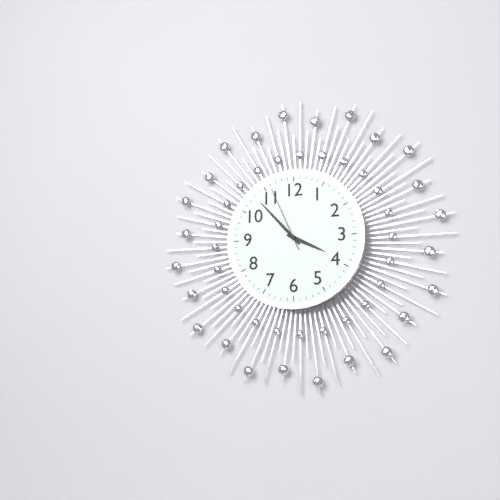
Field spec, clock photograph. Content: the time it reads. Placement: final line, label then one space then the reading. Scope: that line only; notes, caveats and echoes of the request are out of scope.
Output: 3:53:56
